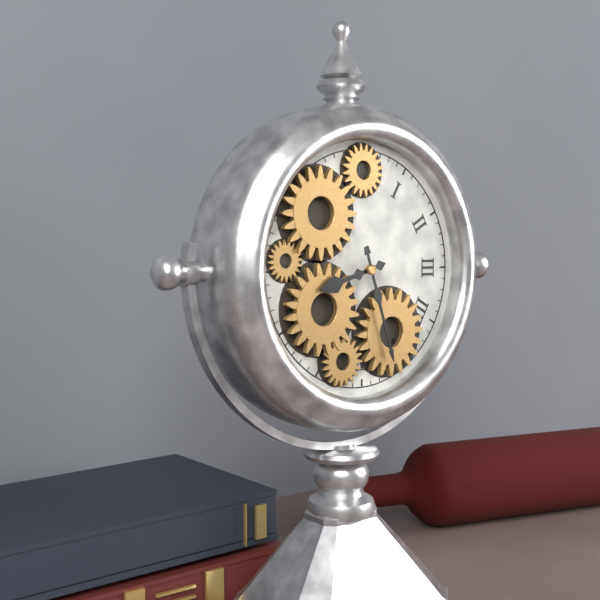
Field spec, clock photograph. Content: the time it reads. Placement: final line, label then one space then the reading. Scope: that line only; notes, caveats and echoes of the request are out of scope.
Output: 8:27
